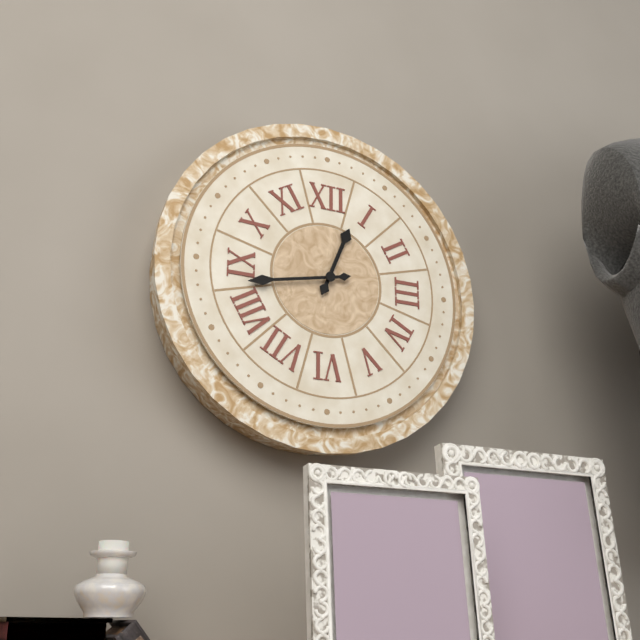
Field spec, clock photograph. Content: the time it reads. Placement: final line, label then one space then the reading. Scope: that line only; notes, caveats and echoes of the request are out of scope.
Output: 12:43
